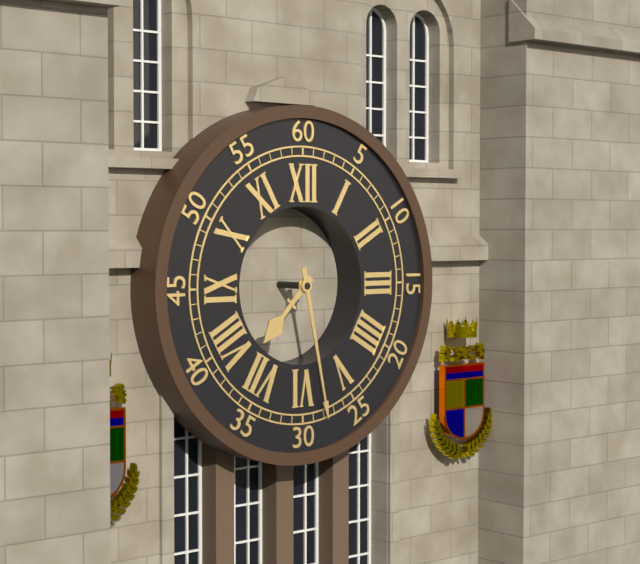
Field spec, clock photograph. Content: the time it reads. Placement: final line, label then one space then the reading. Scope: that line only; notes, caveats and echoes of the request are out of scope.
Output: 7:28
